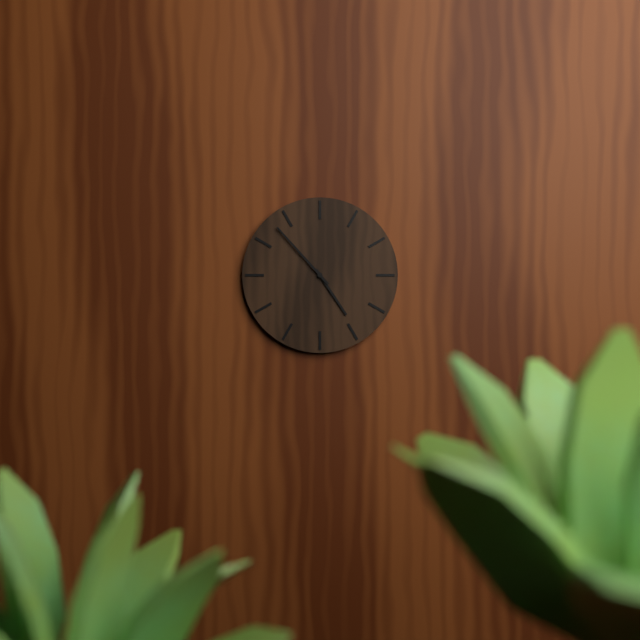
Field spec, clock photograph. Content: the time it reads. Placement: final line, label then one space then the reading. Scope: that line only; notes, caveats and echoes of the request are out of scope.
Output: 4:53
